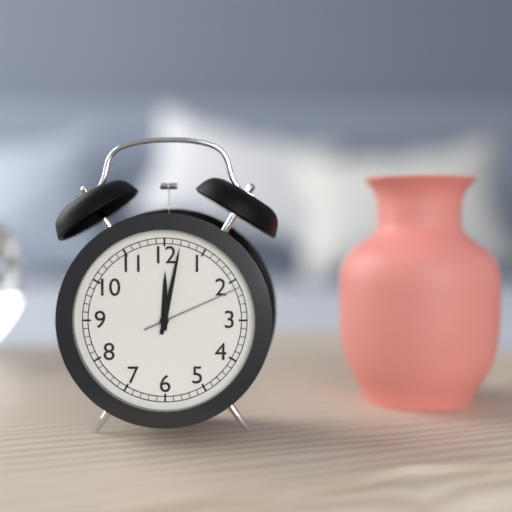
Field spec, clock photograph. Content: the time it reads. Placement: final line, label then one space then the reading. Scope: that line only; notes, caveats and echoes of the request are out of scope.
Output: 12:02:11
